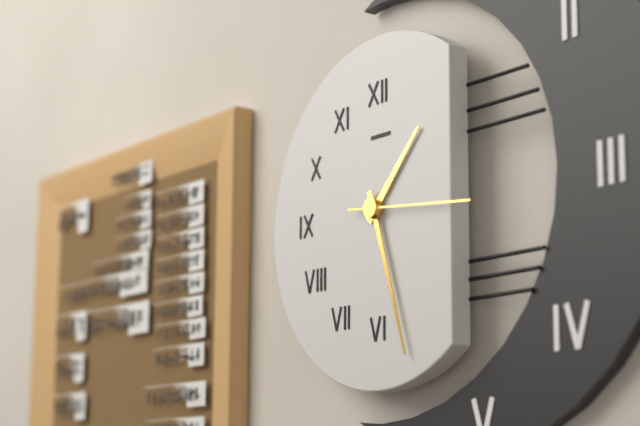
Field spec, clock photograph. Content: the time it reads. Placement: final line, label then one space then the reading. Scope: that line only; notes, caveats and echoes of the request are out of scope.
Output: 1:27:16
